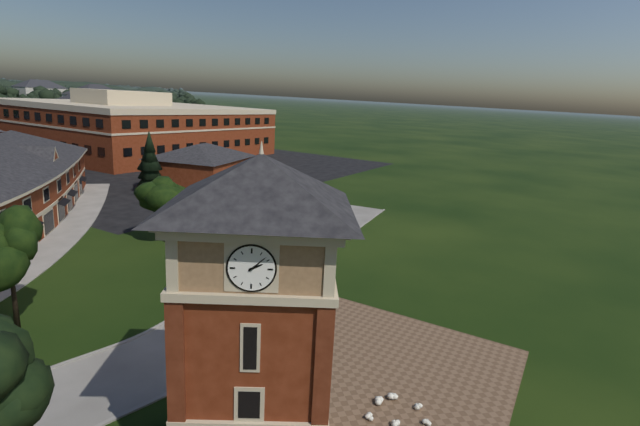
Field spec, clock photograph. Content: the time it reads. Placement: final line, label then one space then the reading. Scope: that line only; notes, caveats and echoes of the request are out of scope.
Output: 2:08
